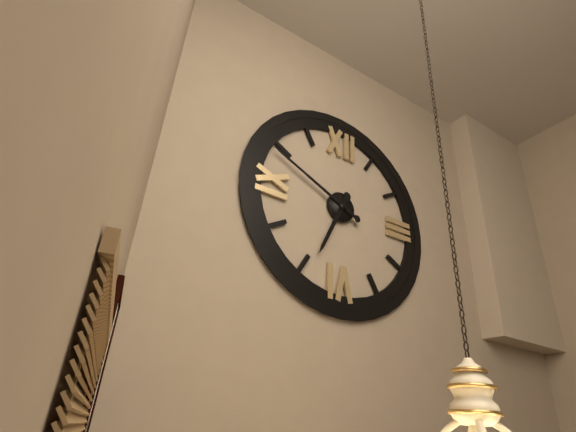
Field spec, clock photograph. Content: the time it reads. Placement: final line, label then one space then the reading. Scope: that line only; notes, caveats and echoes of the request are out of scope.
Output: 6:49
